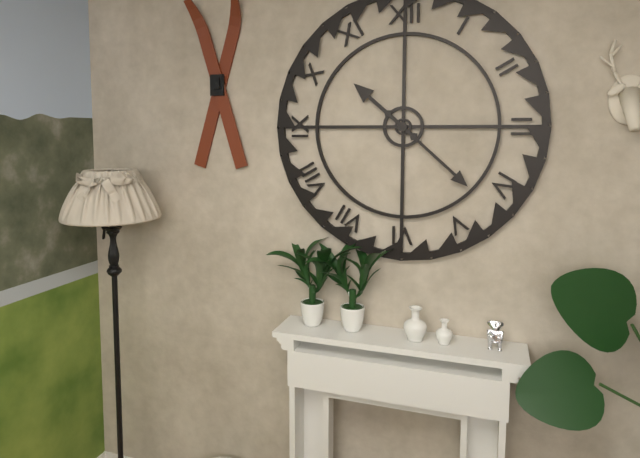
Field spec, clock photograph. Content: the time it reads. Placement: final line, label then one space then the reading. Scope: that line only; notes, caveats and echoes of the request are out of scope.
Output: 10:22
